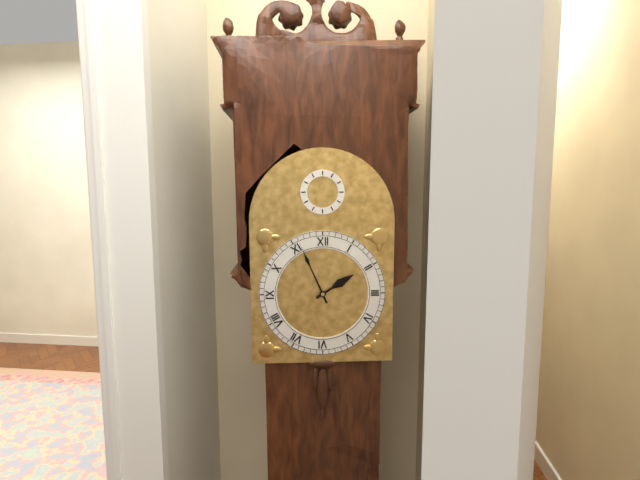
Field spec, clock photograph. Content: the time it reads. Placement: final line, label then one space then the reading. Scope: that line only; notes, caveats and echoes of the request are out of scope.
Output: 1:56
